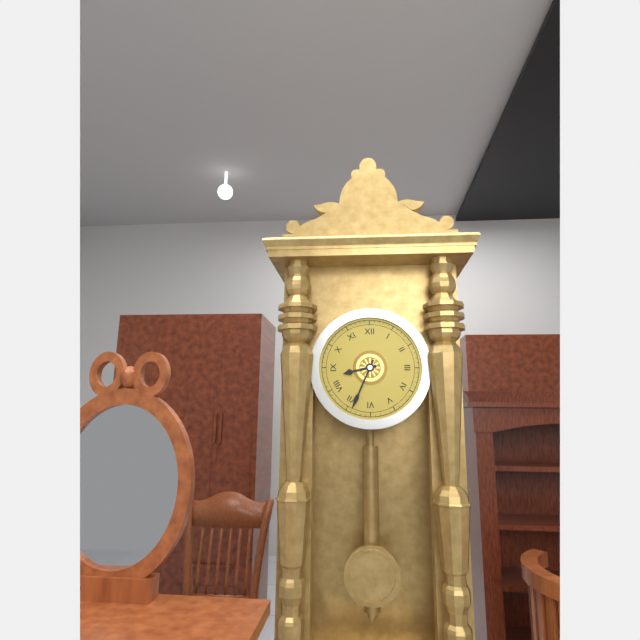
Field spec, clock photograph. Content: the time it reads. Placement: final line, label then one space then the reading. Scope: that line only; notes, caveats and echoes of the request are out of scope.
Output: 8:34
